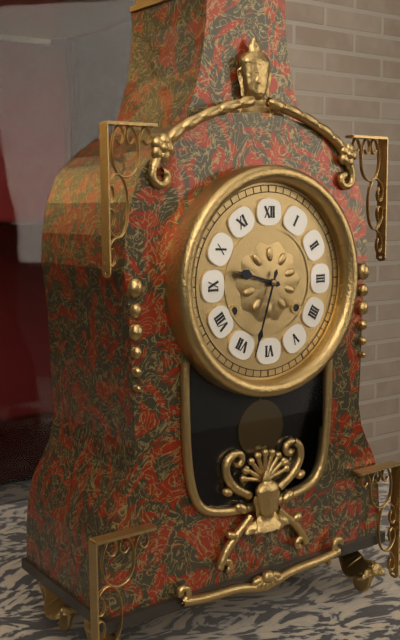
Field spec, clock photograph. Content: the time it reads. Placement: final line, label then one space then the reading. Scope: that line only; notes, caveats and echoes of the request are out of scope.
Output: 9:33
